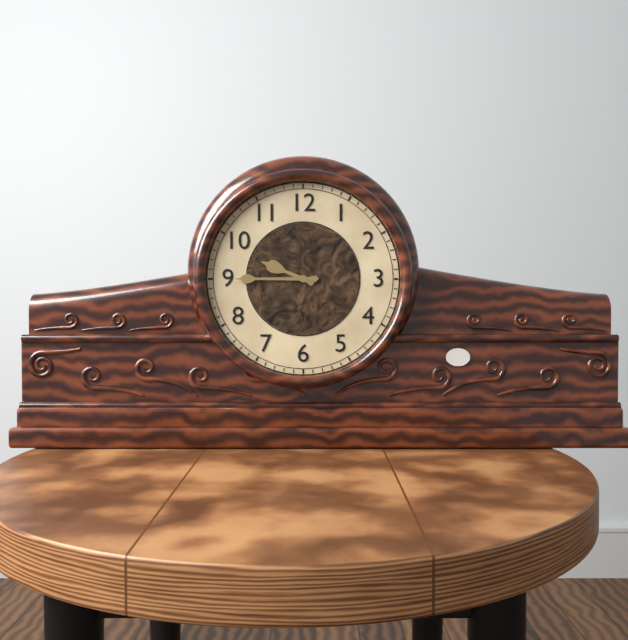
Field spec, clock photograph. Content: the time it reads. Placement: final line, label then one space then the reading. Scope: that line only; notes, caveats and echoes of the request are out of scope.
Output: 9:45
